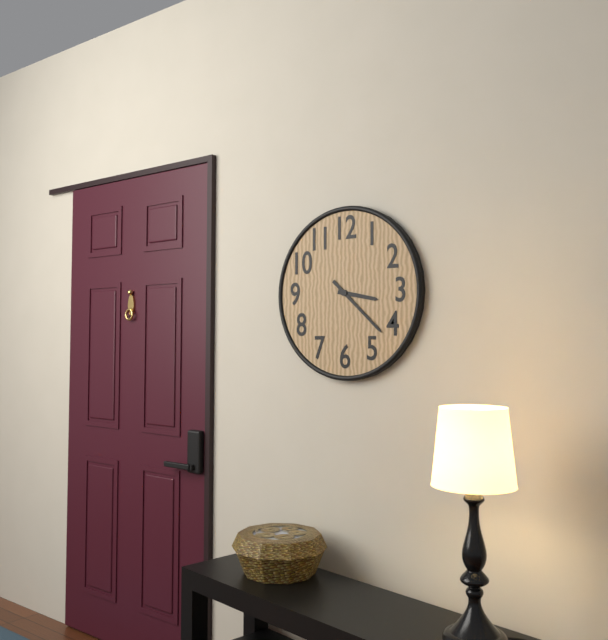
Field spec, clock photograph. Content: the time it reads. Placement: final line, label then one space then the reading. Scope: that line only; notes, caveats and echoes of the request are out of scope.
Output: 3:22
